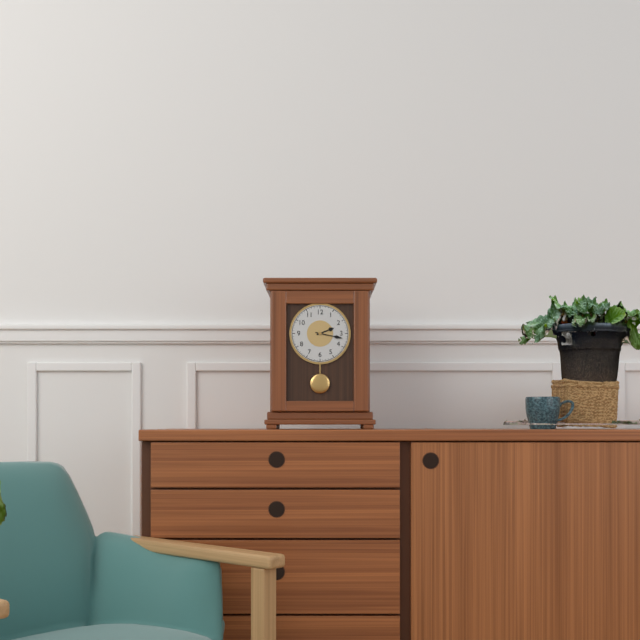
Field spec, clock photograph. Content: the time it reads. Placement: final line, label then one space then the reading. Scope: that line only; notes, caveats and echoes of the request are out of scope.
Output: 2:17
